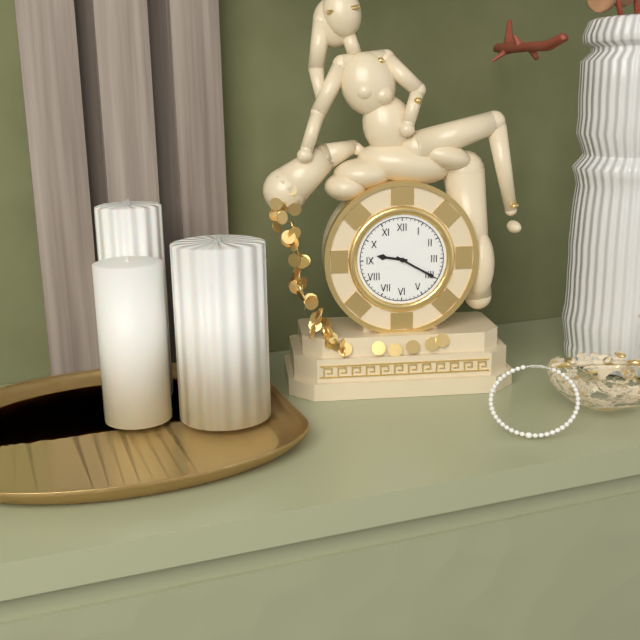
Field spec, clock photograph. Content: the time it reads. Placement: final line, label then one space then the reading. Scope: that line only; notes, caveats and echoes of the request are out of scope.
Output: 9:20
